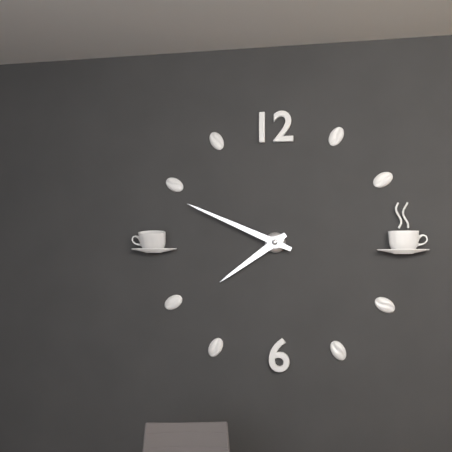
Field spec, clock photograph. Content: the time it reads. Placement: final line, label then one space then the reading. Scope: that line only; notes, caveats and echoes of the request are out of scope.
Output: 7:49
